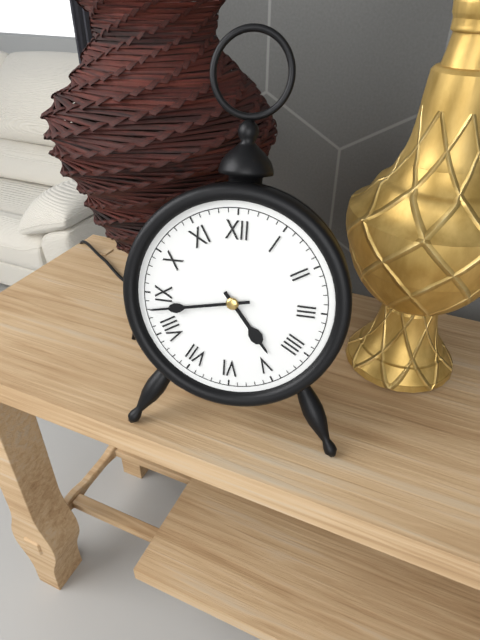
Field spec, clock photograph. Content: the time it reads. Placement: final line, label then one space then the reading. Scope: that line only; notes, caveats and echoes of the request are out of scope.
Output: 4:43
